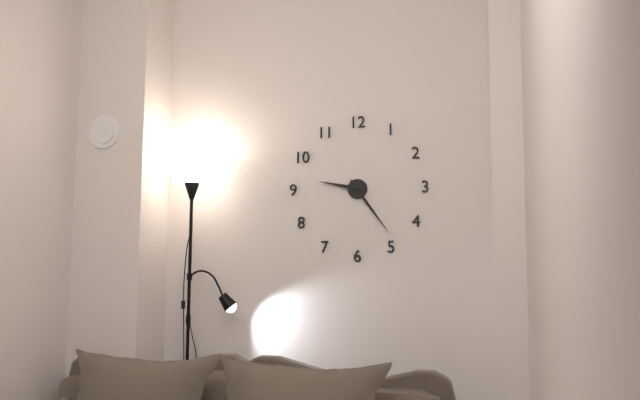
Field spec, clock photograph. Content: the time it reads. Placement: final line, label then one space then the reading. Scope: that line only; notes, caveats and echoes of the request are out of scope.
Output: 9:24
